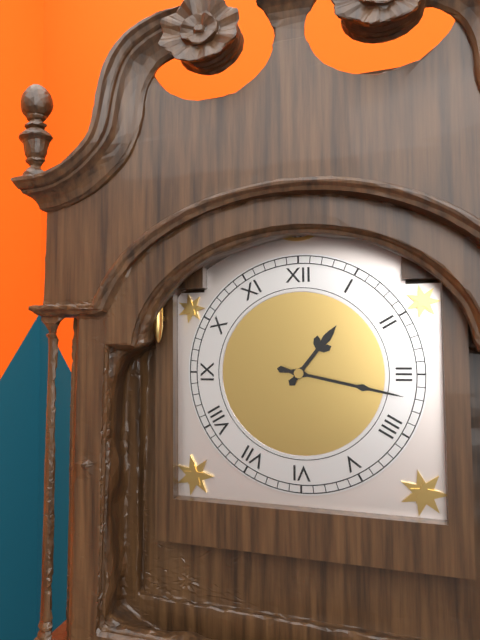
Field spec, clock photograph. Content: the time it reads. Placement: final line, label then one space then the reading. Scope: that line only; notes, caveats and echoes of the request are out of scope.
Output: 1:17
